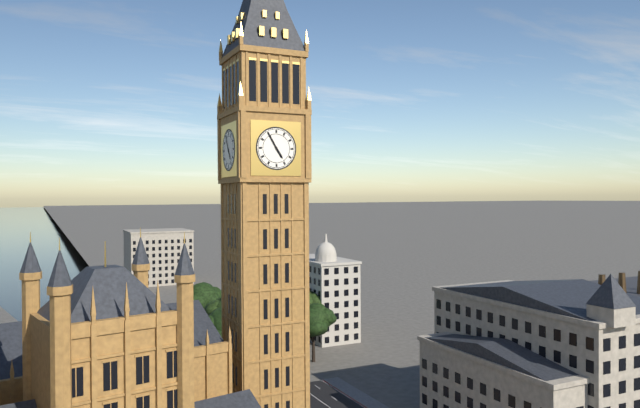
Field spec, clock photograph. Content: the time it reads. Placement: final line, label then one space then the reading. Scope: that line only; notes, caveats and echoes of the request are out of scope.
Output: 4:55
